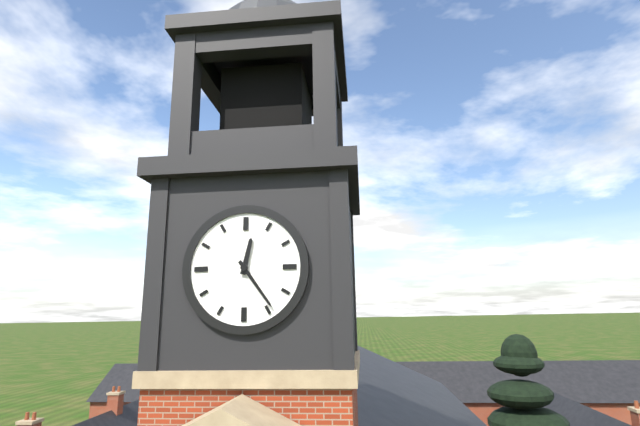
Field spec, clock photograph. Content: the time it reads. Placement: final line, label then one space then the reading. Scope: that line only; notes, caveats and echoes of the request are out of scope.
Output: 12:24
